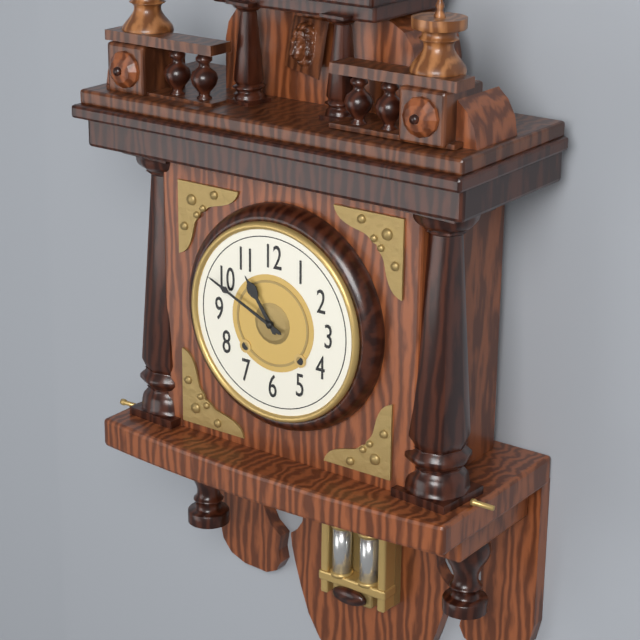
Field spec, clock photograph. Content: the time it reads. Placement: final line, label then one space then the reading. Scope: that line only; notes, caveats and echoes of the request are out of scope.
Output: 10:49
